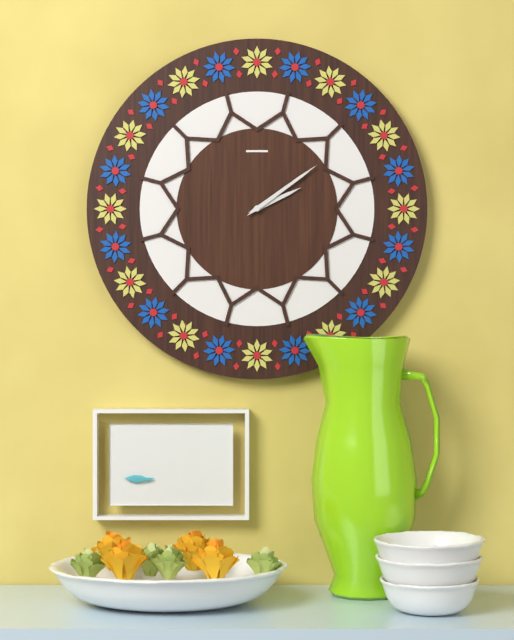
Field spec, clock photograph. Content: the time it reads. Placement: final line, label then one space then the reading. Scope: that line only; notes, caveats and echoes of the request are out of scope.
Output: 2:09
